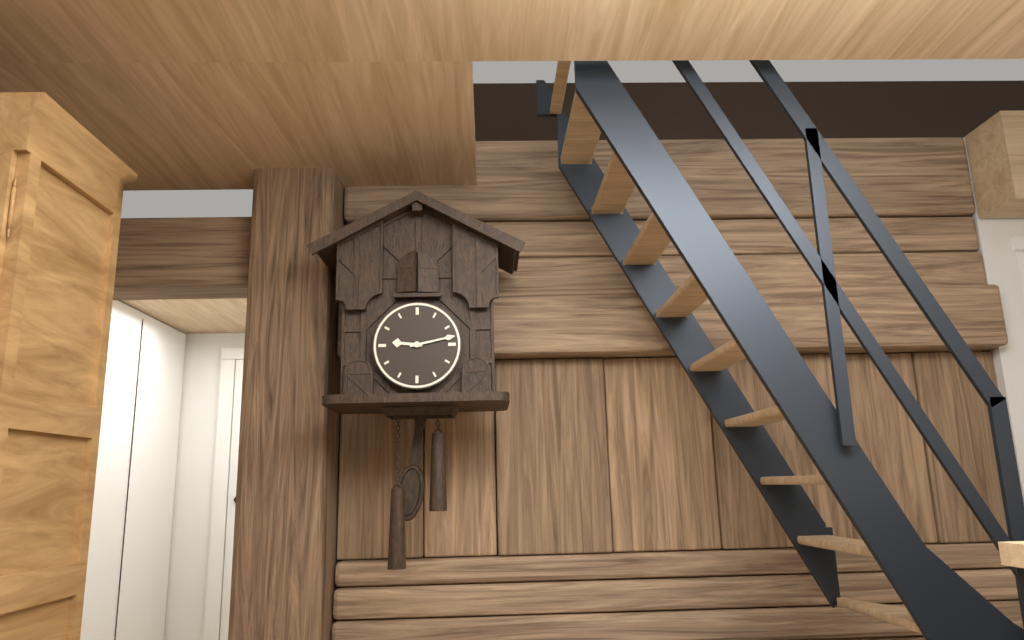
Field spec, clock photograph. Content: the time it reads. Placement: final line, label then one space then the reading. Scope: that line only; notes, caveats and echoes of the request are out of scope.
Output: 9:13
